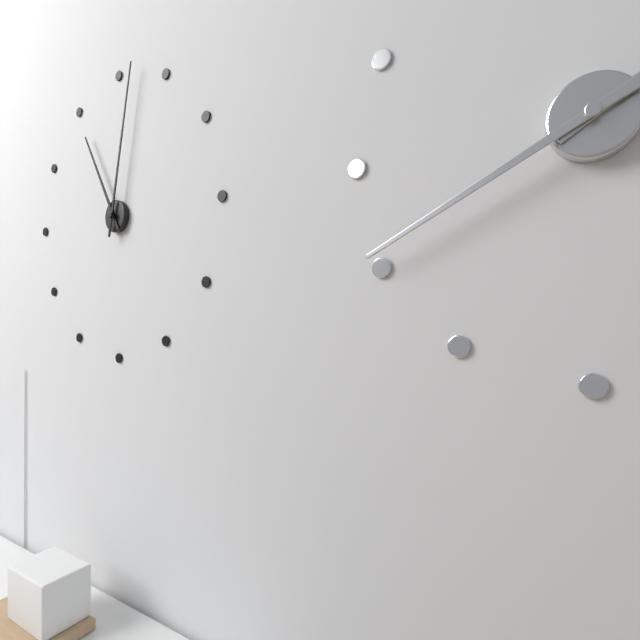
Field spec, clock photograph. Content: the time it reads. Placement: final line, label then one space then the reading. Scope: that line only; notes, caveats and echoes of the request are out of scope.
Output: 11:02
